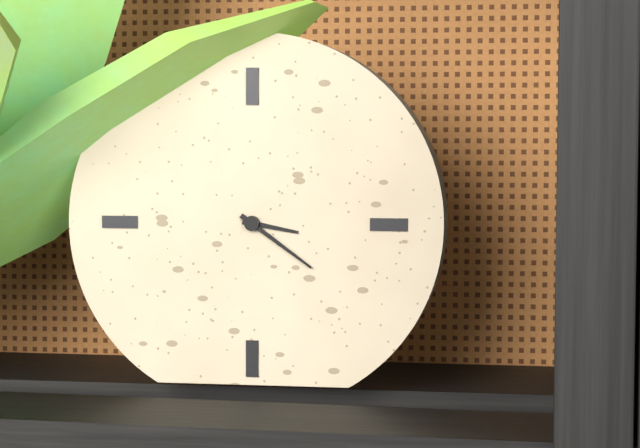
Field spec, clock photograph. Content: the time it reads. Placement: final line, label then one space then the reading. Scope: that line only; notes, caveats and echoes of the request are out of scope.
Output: 3:21
